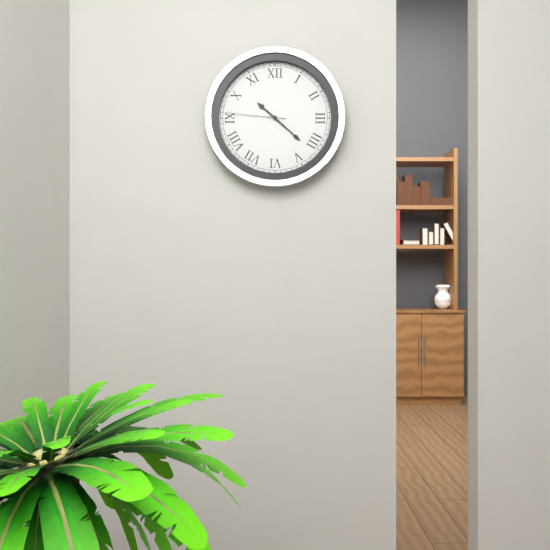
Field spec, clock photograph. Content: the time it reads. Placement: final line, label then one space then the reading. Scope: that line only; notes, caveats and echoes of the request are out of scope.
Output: 10:22:46
